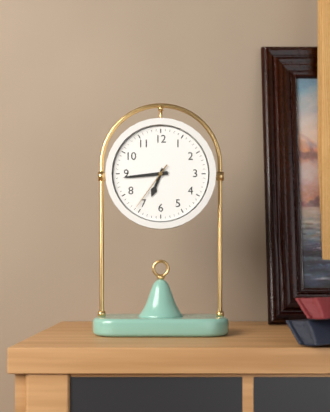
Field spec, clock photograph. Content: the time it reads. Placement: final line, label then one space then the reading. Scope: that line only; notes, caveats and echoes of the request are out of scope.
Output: 6:44:36
